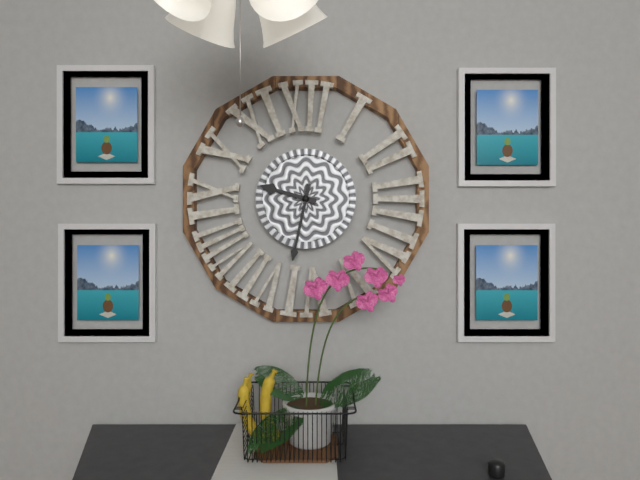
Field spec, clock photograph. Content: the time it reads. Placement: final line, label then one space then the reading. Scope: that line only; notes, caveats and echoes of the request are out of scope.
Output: 9:32
